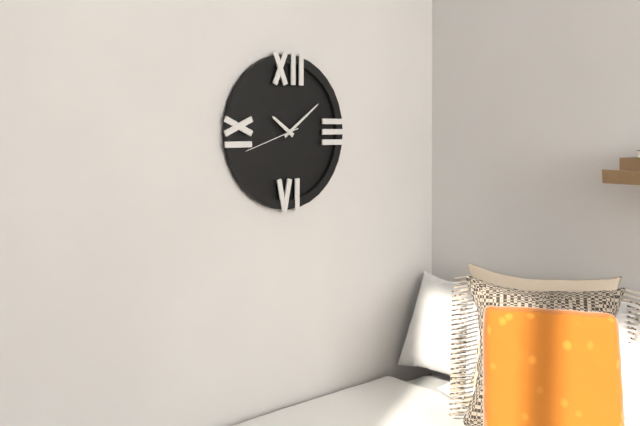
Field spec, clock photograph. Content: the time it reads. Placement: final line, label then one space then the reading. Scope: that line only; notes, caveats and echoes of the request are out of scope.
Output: 10:09:42
